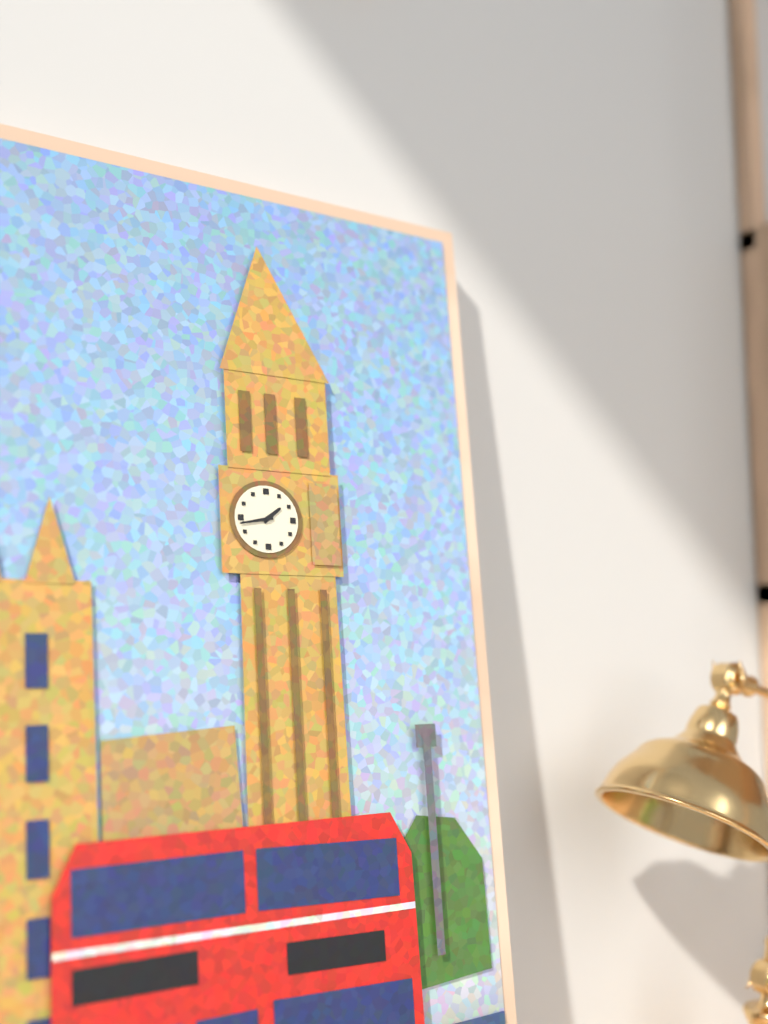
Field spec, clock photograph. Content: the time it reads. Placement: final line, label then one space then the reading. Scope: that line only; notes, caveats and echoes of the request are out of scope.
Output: 1:43
